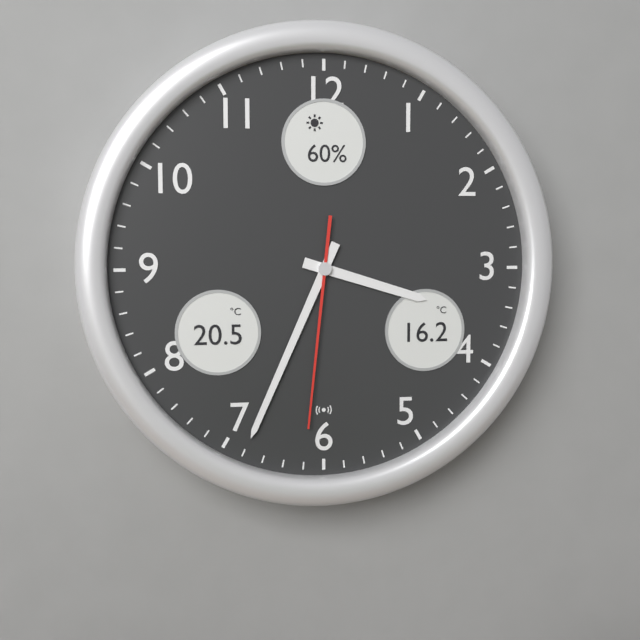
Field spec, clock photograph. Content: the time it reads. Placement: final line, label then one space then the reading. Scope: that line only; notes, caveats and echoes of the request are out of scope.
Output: 3:34:31
